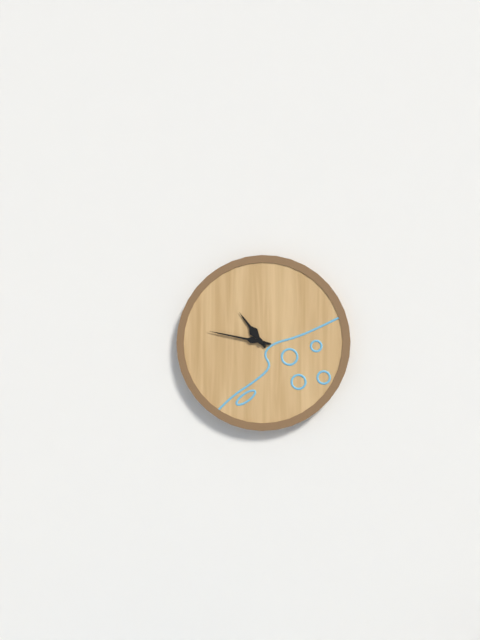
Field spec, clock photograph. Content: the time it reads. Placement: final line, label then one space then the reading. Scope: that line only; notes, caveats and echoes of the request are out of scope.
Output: 10:47
